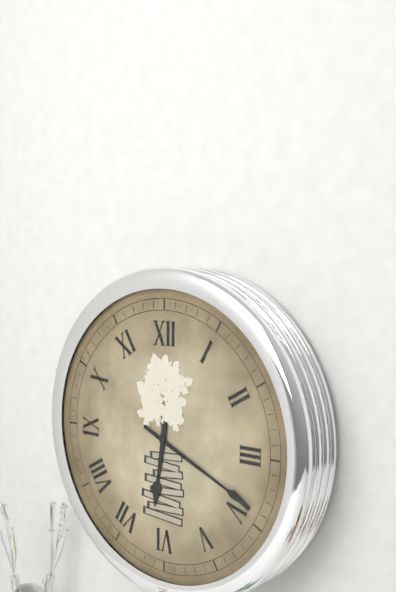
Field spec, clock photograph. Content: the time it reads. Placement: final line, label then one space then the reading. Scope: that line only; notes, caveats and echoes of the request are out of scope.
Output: 6:19
